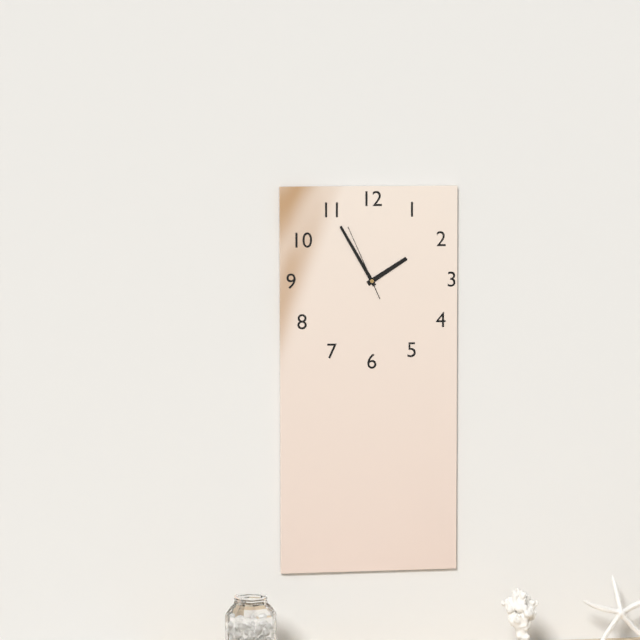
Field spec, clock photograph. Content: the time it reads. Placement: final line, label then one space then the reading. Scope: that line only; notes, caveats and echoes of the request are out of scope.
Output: 1:55:56
